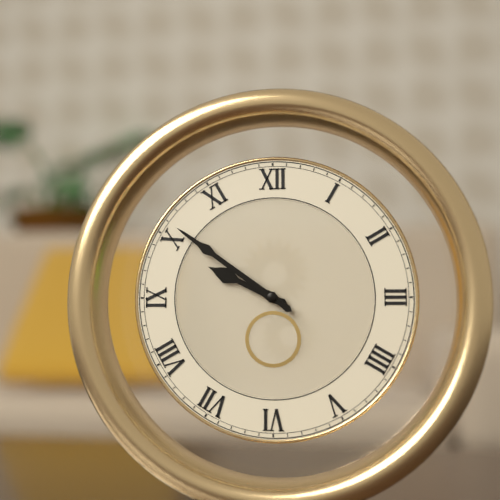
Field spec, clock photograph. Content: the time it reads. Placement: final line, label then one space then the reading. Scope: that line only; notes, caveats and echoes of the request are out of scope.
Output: 9:51
